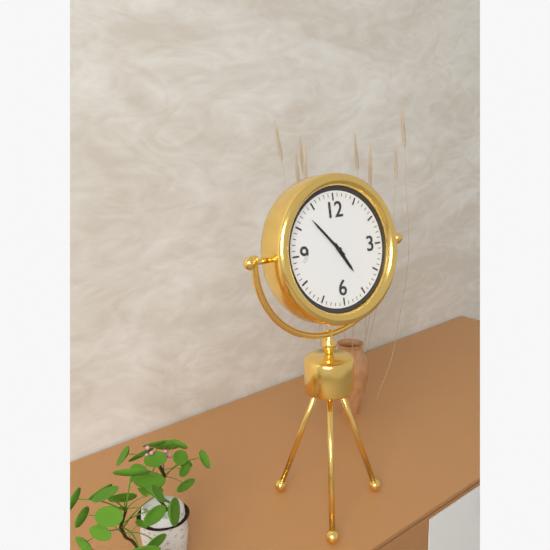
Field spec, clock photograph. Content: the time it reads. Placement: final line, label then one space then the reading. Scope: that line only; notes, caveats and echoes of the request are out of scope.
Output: 4:53
